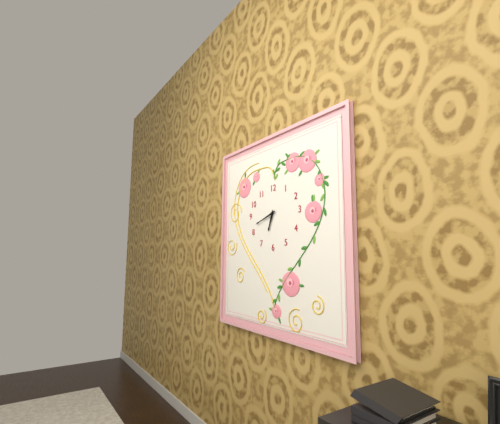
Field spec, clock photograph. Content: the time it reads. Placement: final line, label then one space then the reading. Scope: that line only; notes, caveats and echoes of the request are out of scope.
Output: 6:42
